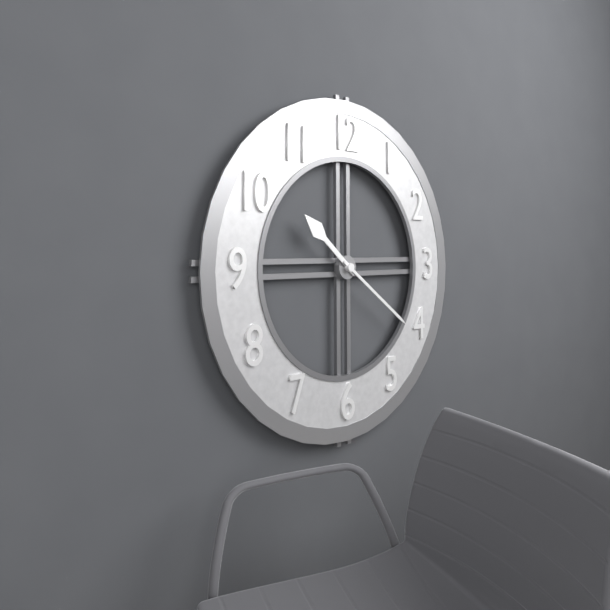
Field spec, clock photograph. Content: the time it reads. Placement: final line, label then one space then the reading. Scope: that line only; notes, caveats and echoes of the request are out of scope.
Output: 10:21
